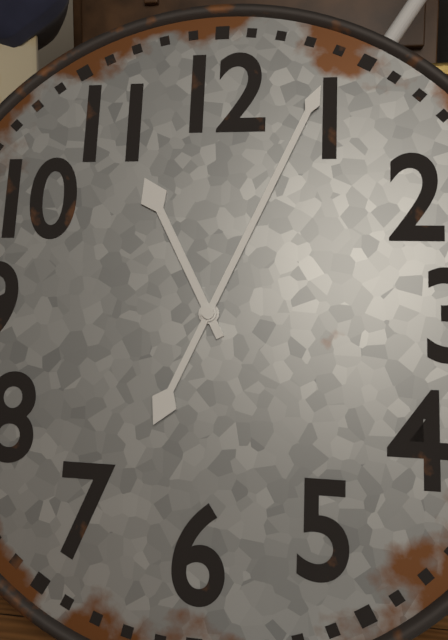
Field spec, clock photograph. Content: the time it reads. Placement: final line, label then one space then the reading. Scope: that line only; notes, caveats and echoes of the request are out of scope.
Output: 11:04
